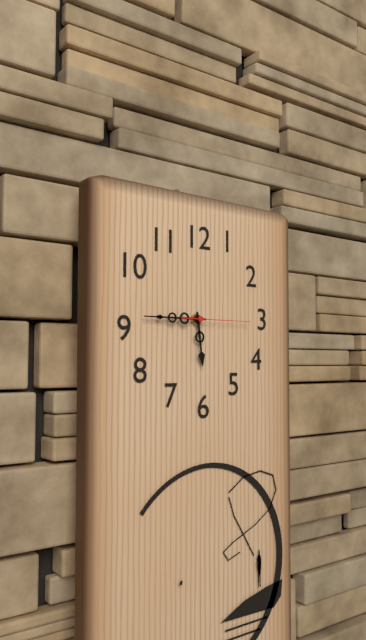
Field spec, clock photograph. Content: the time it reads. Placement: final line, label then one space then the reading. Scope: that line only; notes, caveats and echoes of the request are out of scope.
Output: 5:45:15
